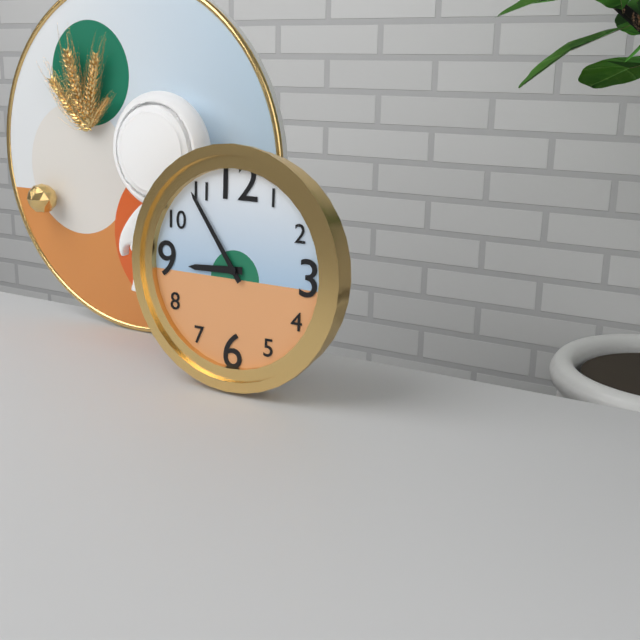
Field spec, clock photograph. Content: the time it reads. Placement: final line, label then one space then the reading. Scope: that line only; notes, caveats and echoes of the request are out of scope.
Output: 8:54
